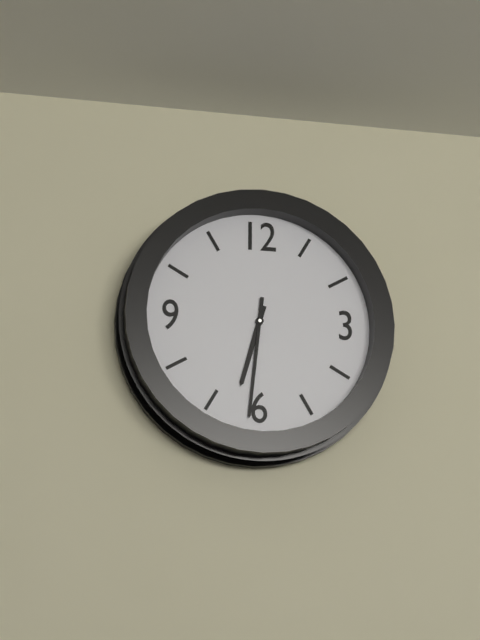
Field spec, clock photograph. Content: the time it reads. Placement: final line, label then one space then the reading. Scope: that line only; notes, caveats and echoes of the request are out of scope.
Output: 6:31
